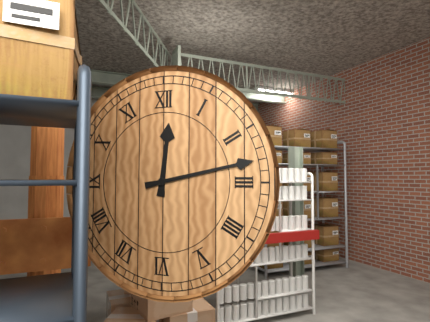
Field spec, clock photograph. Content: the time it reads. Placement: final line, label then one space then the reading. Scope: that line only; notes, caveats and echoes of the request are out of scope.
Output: 12:13
